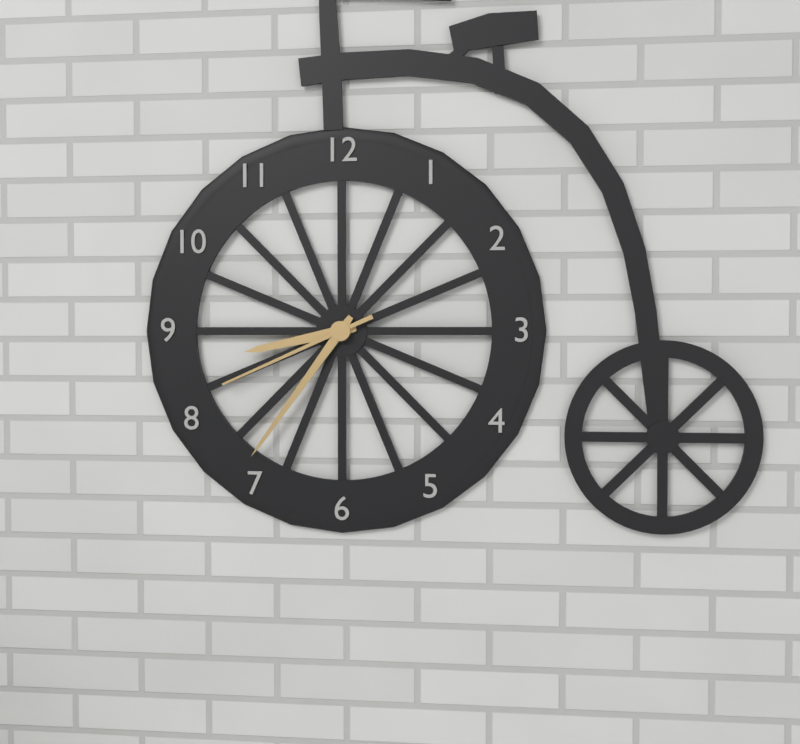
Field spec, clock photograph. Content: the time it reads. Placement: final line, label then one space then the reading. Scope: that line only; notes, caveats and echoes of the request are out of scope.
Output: 8:36:41
